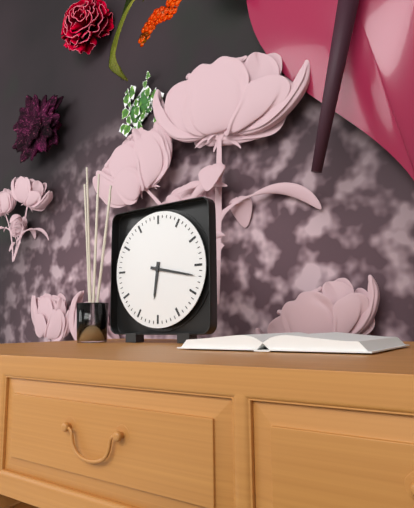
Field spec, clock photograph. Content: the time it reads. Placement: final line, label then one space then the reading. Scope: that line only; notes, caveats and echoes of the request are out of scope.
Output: 6:17
